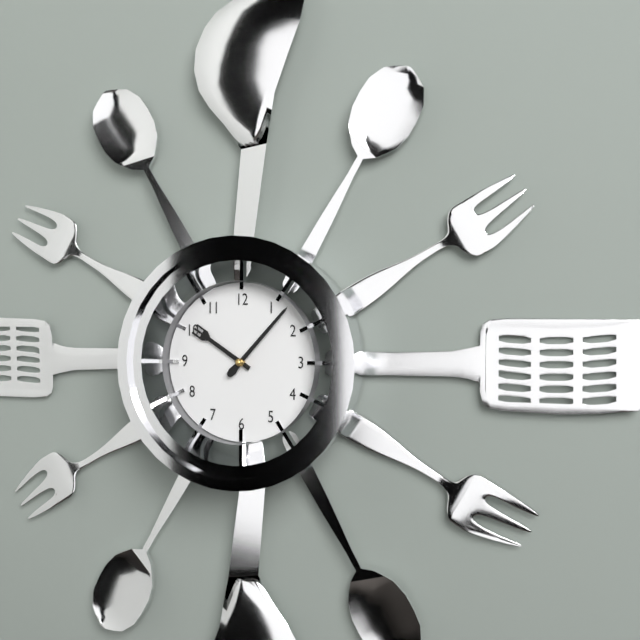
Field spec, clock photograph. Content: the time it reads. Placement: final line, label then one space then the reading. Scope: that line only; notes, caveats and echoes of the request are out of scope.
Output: 10:07
